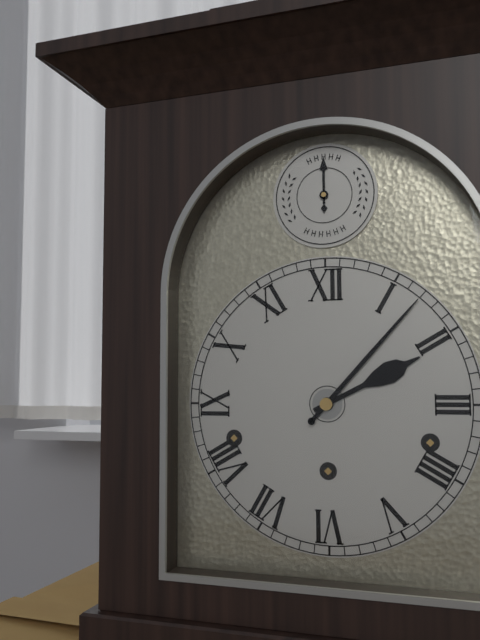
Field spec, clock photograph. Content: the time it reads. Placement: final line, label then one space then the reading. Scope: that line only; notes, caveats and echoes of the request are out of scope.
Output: 2:07
